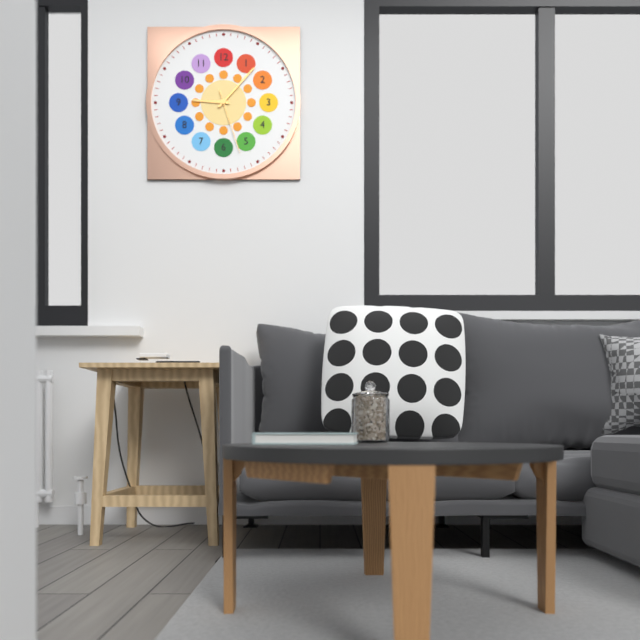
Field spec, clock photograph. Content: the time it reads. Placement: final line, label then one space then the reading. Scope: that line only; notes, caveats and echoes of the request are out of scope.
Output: 9:07:27
